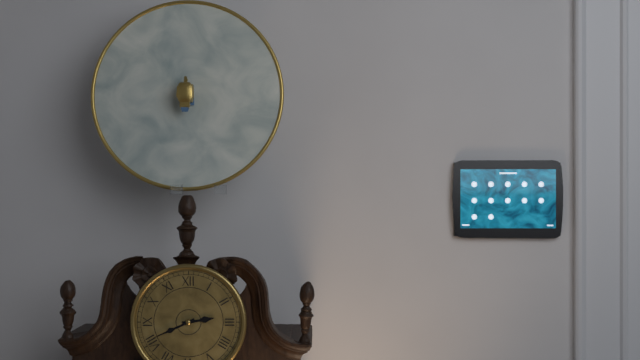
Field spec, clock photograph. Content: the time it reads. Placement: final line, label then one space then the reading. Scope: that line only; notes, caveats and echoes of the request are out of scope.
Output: 2:41
